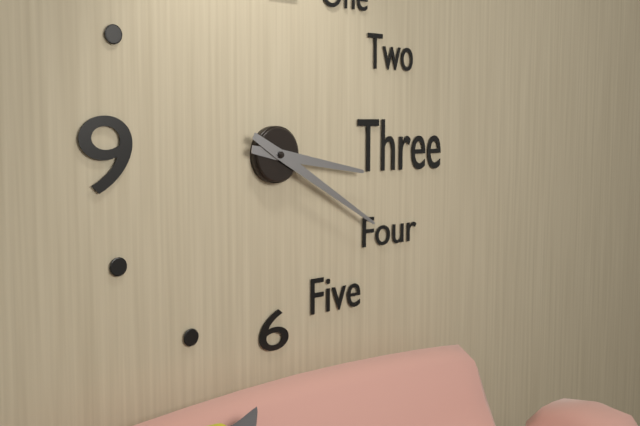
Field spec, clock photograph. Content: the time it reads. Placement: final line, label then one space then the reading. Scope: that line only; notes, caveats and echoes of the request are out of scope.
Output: 3:20
